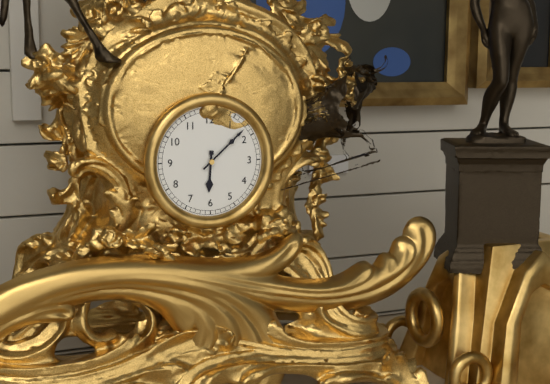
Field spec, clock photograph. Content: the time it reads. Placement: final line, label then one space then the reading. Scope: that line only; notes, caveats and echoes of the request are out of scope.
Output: 6:08
